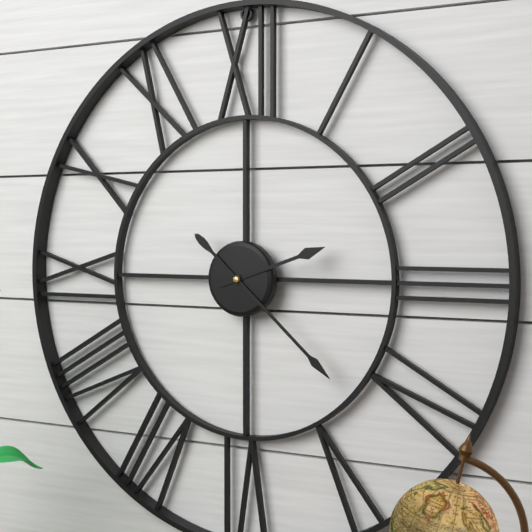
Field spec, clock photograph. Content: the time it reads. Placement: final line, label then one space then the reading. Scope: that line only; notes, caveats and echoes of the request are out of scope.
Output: 2:22
